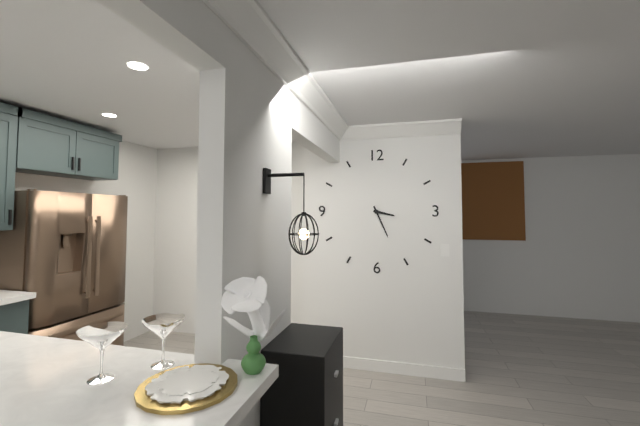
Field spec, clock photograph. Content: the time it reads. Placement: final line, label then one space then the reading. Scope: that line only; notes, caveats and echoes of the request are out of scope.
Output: 3:26
